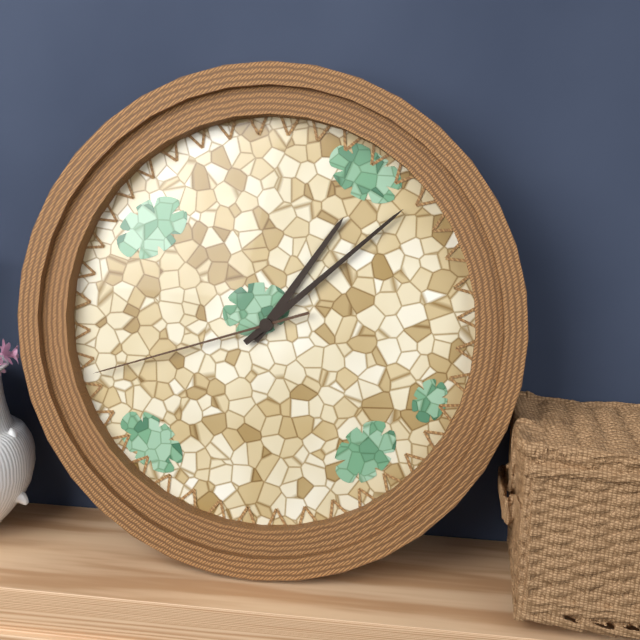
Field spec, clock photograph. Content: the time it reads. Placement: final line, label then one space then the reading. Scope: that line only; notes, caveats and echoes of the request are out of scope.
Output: 1:08:42
